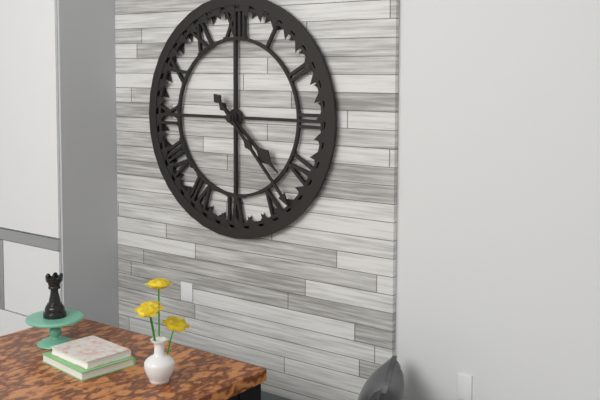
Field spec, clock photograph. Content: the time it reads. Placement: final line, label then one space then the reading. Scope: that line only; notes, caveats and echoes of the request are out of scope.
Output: 4:23
